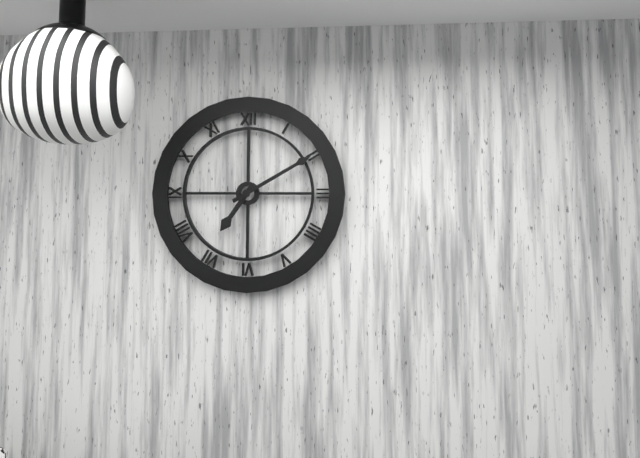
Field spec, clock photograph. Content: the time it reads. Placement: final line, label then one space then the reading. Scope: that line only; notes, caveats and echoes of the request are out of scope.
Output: 7:10
